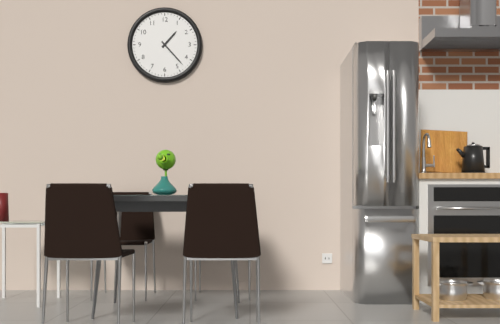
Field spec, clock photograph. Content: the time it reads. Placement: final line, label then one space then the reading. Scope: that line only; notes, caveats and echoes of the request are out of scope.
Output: 1:23
